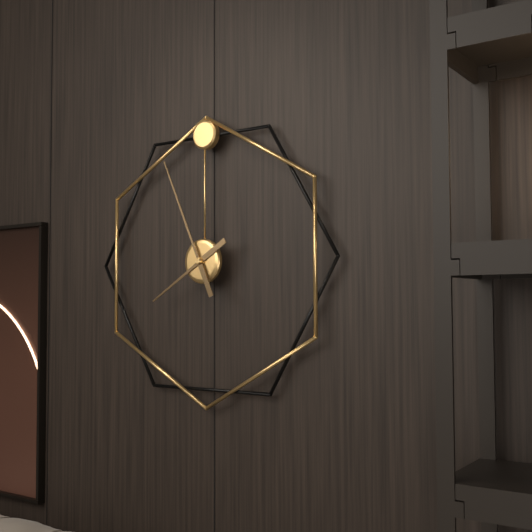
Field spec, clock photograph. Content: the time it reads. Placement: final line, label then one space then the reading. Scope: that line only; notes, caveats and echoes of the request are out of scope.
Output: 7:56
